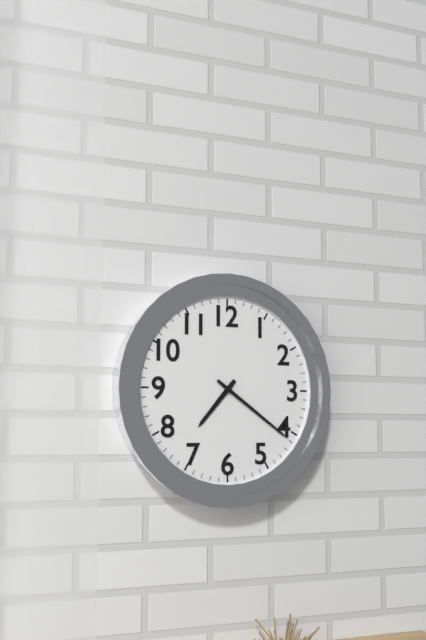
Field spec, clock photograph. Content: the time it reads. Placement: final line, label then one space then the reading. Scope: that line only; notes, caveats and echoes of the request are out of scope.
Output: 7:21
